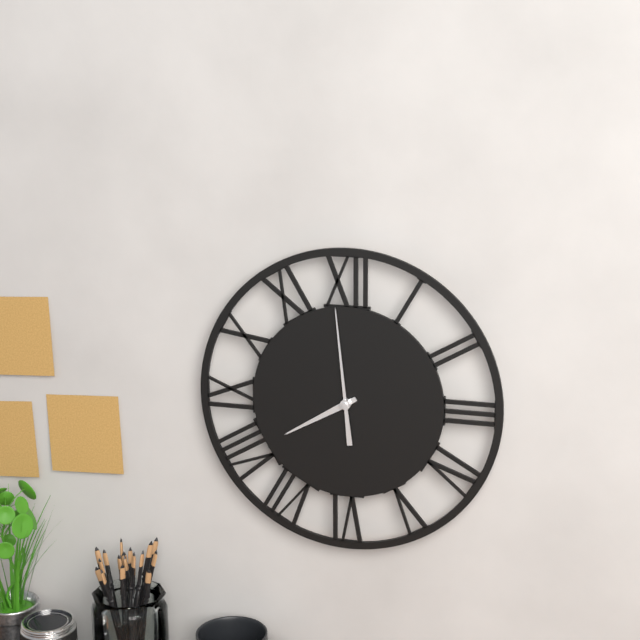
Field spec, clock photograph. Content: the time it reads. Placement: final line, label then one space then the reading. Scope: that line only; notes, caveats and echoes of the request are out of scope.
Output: 7:59
